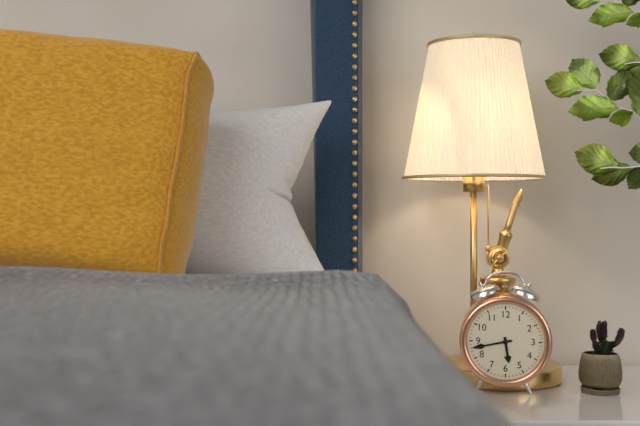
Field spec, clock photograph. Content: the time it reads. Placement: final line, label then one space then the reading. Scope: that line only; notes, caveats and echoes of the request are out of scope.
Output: 5:43
